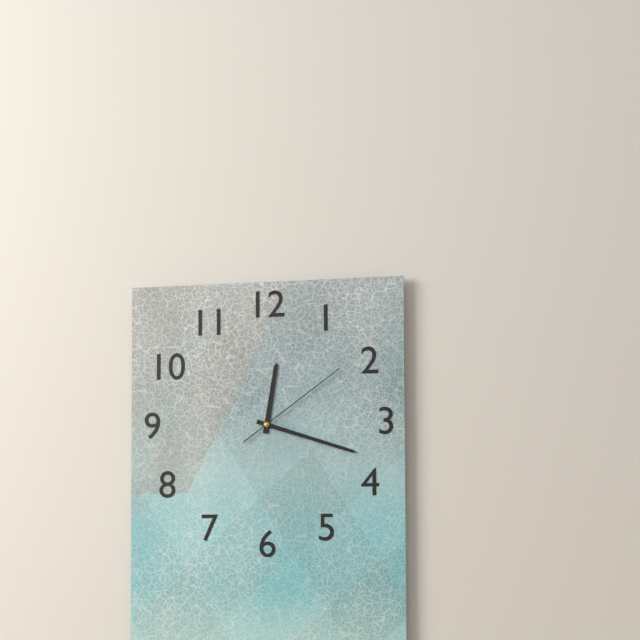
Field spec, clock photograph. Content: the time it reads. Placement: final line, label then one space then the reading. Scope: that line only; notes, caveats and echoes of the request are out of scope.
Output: 12:18:09
